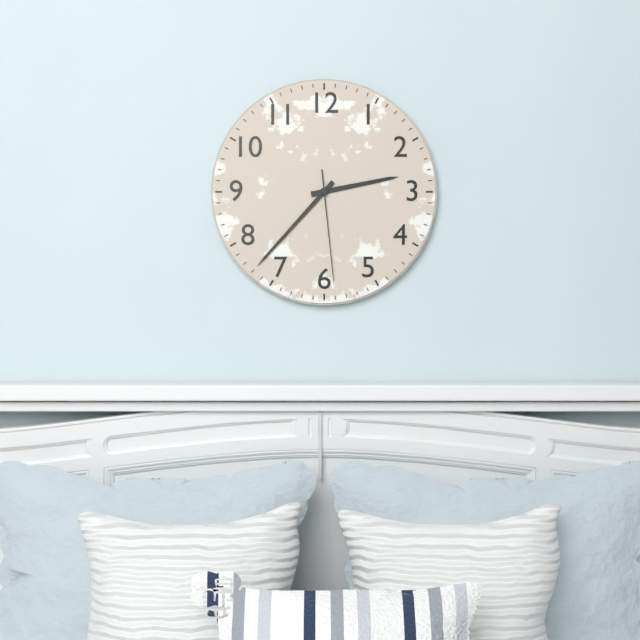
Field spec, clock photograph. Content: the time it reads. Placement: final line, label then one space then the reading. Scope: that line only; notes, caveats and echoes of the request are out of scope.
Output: 2:37:29
